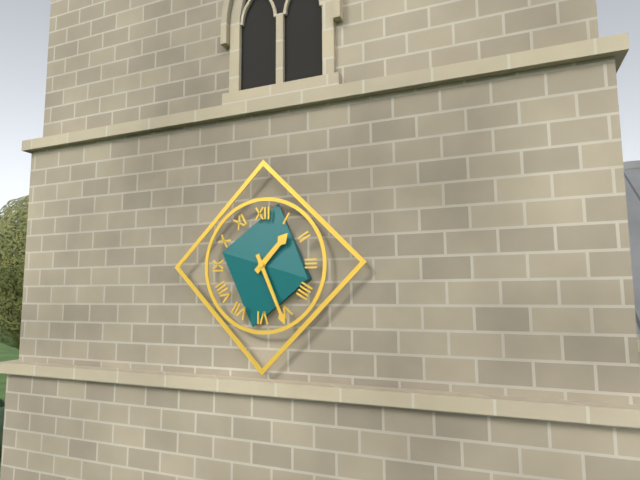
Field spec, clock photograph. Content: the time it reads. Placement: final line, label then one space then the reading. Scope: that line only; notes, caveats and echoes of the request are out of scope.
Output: 1:26
